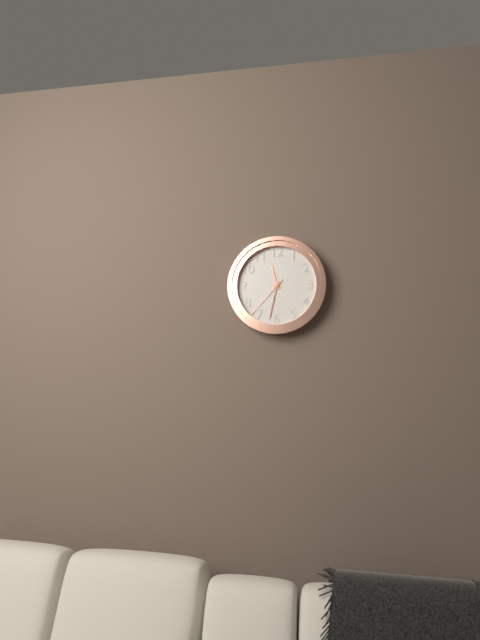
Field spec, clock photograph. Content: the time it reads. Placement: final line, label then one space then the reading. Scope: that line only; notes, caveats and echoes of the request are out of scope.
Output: 11:32
